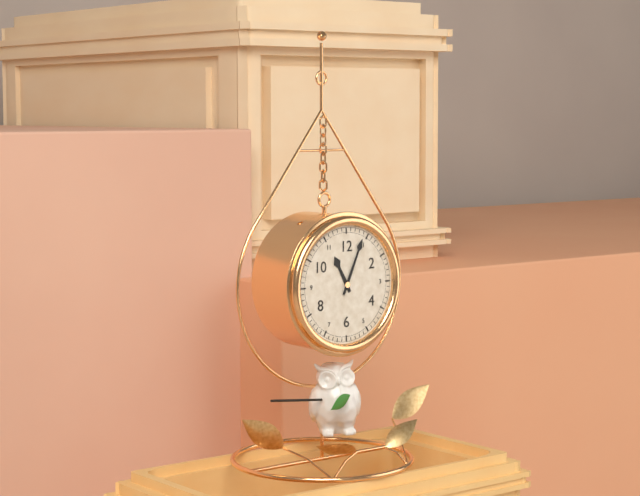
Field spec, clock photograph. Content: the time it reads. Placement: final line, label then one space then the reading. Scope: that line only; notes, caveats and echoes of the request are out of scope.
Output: 11:04
